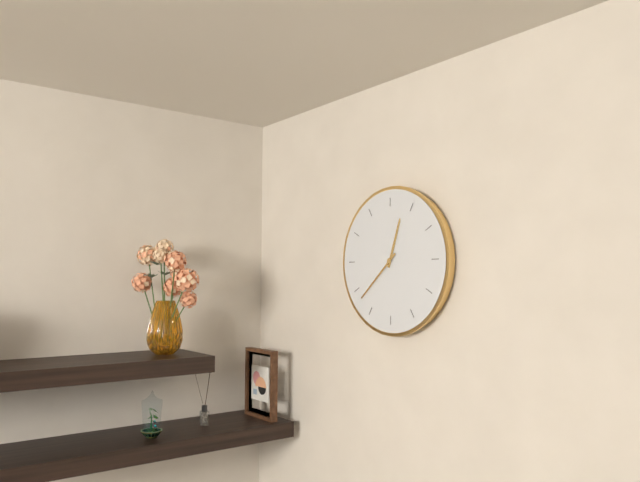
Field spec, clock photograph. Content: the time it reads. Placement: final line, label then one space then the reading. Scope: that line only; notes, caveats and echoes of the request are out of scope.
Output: 12:38
